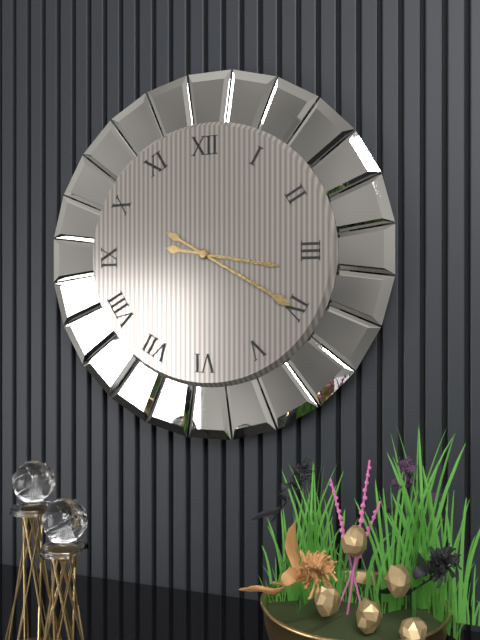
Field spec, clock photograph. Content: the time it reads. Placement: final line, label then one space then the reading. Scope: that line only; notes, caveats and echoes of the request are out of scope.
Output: 3:20
